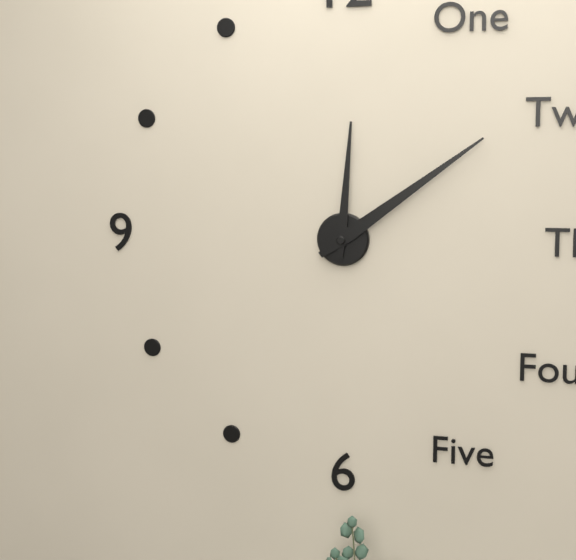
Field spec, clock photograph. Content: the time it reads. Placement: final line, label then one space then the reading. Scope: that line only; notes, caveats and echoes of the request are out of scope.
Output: 12:09
